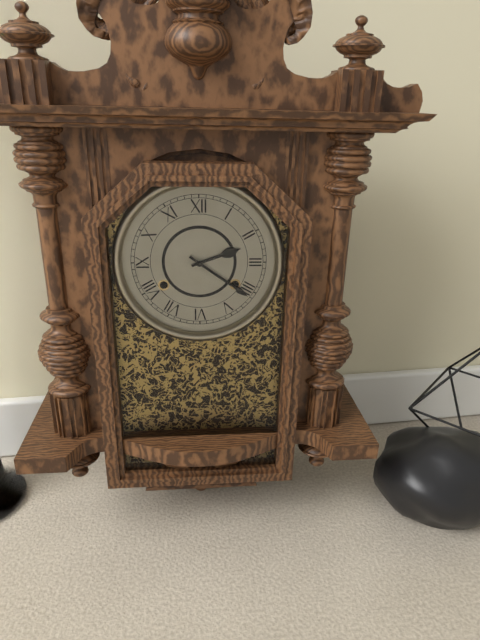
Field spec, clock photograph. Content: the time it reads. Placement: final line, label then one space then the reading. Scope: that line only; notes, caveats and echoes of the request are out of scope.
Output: 2:21
